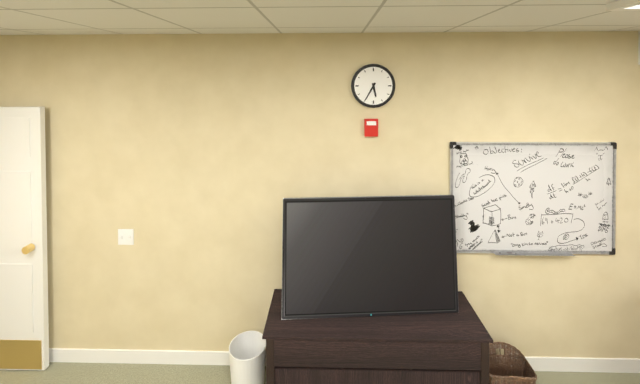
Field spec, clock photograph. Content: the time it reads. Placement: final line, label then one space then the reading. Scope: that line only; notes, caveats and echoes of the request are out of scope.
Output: 5:35
